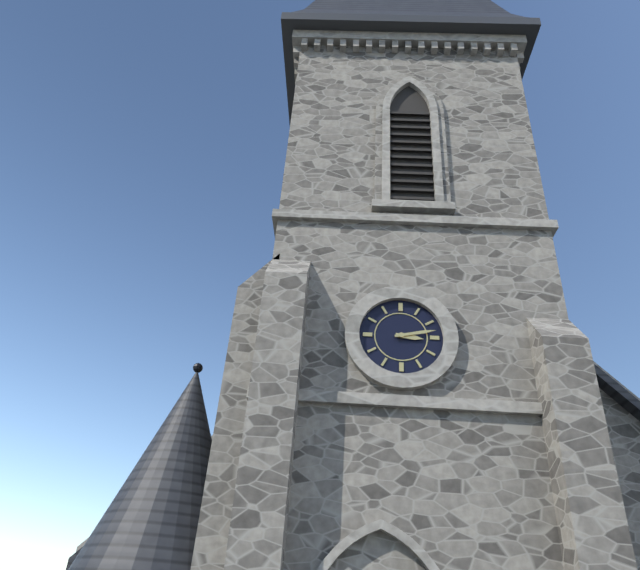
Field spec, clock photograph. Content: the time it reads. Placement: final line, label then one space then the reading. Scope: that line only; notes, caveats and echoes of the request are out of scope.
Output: 3:13
